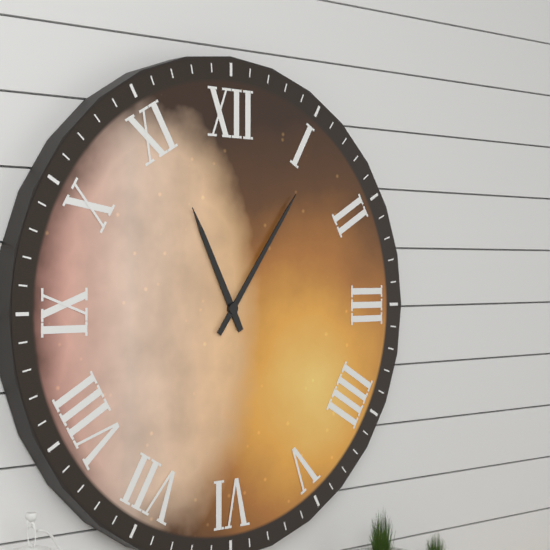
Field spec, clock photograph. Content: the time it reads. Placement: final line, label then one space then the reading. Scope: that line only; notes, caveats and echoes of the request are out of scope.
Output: 11:06
